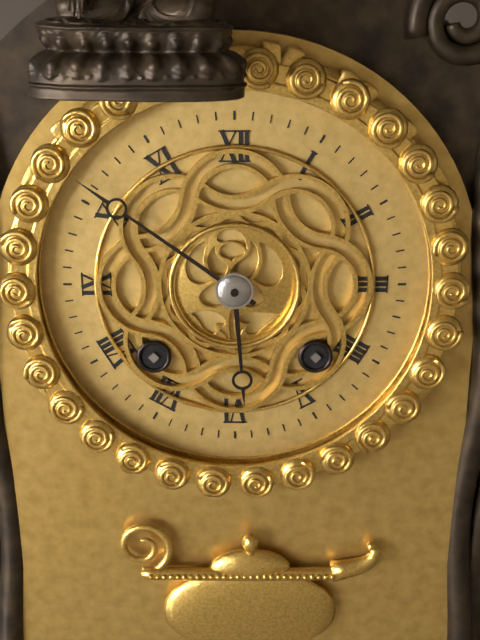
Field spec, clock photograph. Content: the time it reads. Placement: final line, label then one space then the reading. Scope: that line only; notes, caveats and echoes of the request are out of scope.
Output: 5:51
